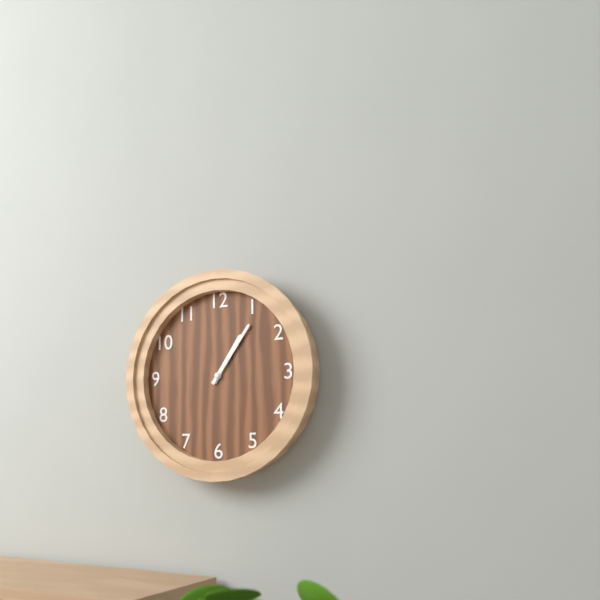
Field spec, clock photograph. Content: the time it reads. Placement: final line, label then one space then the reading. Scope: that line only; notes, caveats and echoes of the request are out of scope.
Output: 1:06
